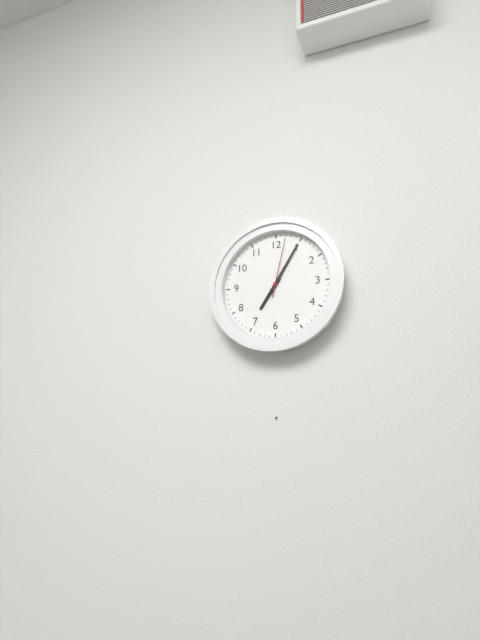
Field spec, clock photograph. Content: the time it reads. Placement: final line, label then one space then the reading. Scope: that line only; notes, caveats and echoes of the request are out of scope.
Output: 7:05:02
